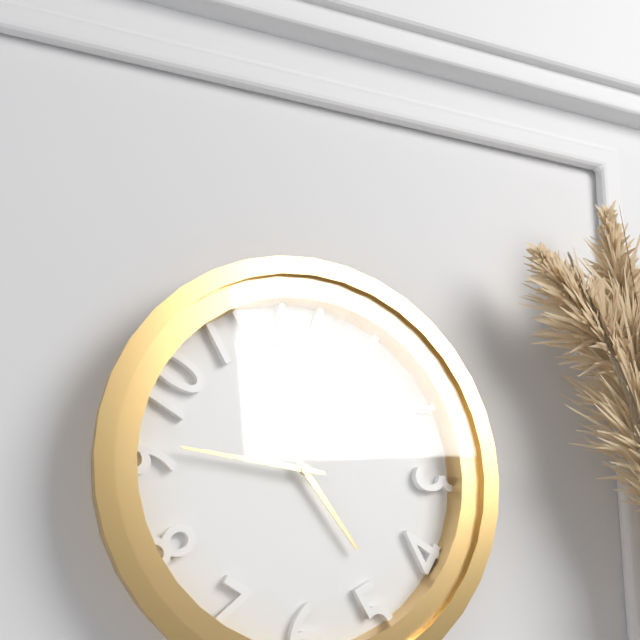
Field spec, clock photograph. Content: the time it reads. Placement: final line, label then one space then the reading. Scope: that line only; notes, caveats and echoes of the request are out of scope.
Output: 4:46
